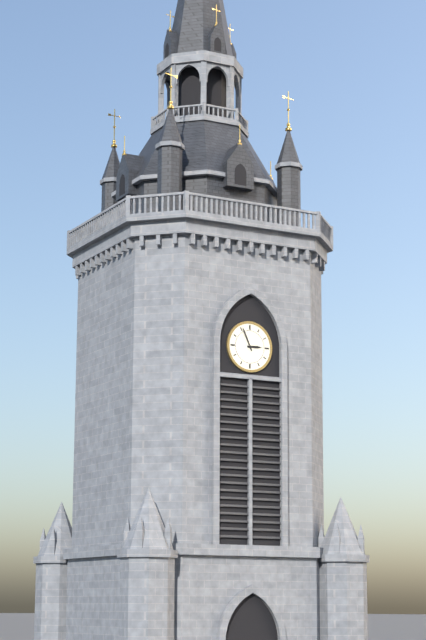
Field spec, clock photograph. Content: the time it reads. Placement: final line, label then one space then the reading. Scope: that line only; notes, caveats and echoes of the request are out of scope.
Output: 2:56
